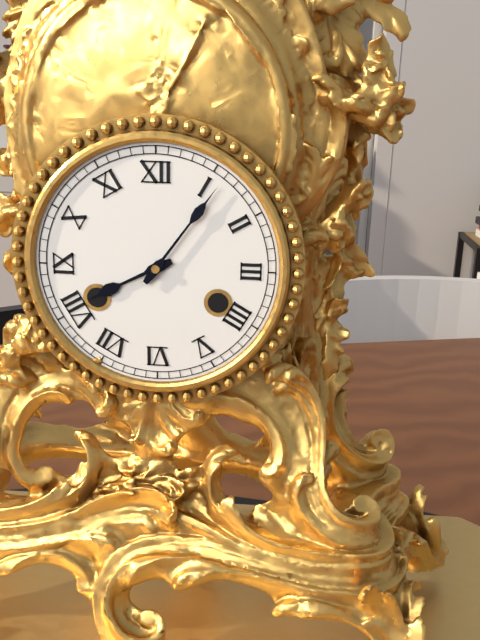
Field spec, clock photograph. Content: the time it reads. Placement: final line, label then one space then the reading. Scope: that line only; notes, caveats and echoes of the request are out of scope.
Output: 8:06
